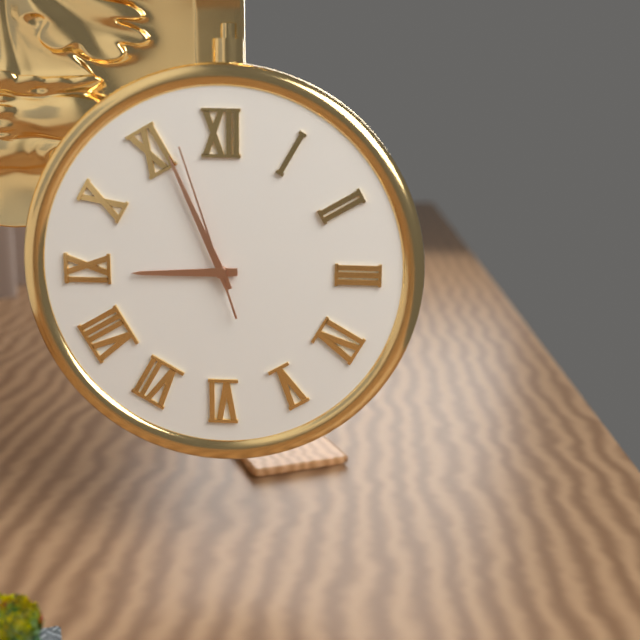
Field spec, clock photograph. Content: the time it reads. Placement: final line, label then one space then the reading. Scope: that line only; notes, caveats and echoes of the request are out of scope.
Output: 8:56:57
